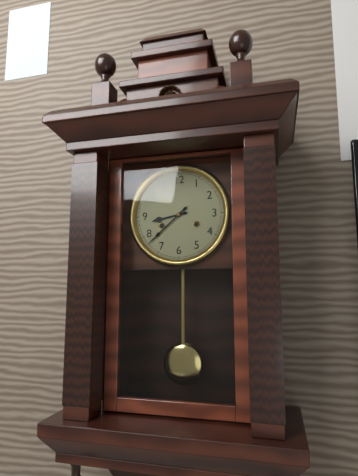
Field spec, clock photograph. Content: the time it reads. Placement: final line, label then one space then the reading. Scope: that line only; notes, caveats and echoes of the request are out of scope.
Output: 8:38
